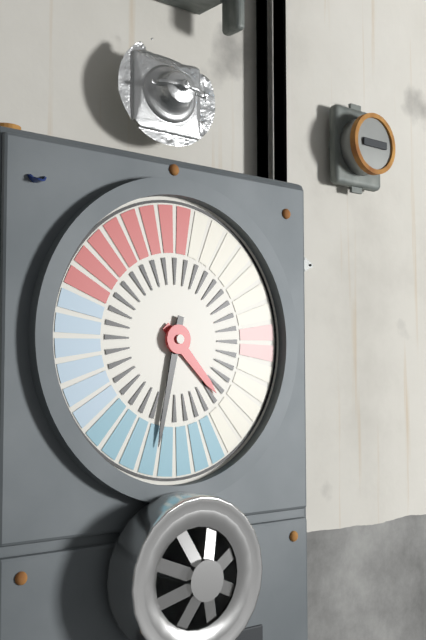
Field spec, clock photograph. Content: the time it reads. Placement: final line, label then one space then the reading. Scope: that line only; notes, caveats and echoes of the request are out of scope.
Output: 4:32
